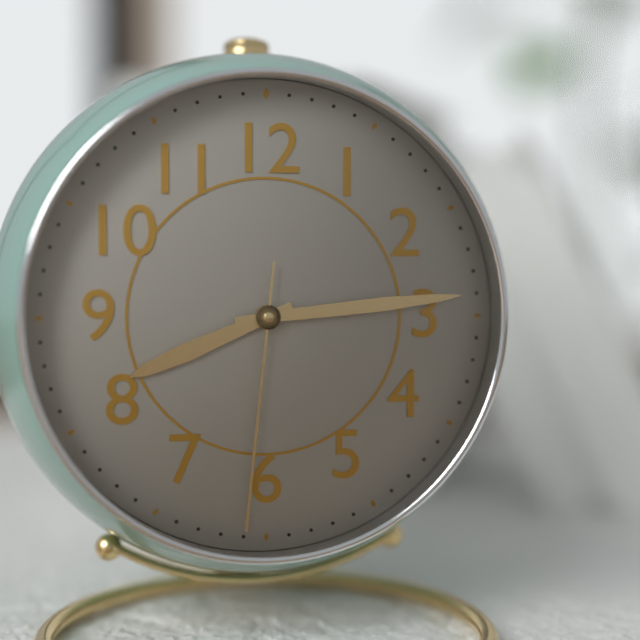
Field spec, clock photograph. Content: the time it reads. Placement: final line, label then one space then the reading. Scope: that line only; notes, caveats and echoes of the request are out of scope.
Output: 8:14:31
